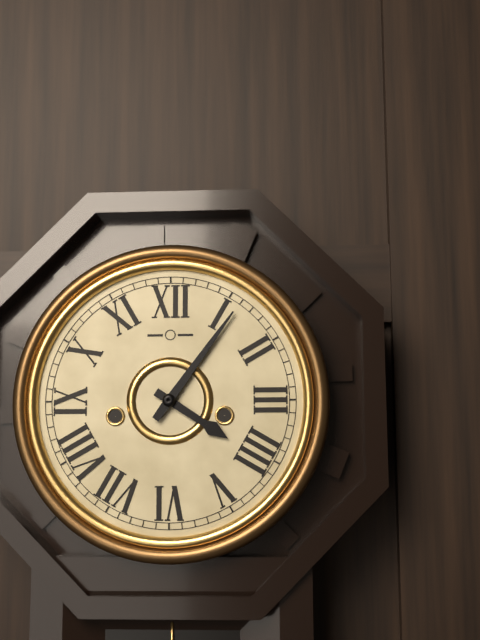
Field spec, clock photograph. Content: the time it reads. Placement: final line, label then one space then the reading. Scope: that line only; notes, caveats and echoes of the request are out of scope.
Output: 4:06
